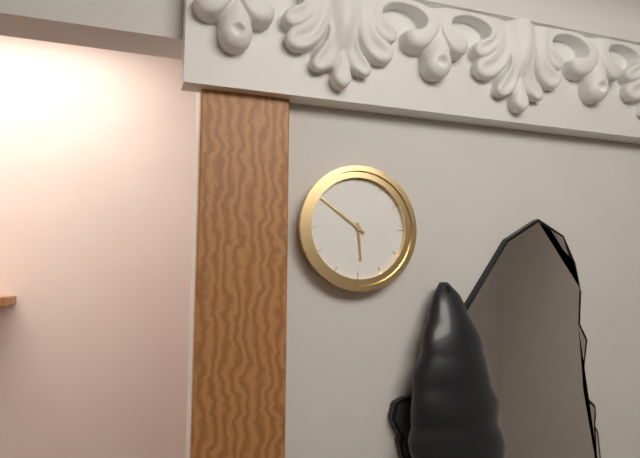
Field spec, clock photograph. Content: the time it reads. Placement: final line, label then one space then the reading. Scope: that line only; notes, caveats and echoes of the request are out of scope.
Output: 5:51
